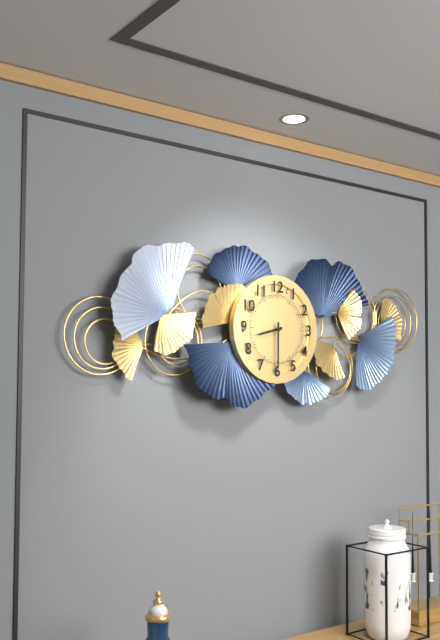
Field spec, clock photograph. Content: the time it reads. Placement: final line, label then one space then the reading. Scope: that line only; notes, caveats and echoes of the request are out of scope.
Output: 8:30
